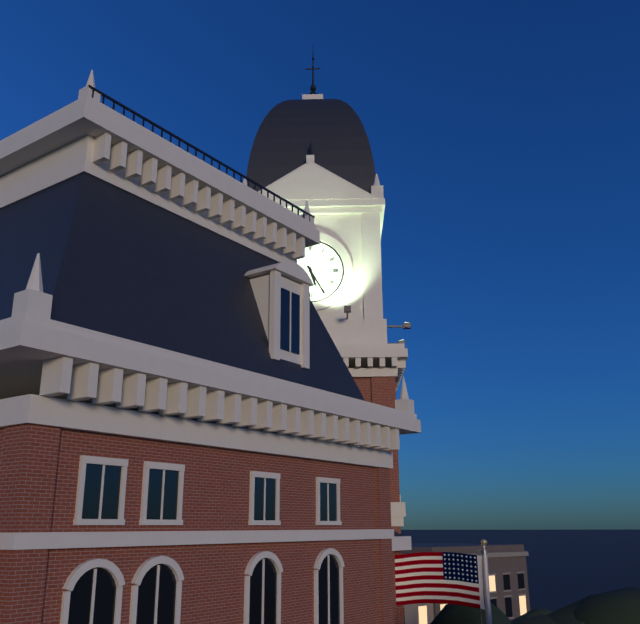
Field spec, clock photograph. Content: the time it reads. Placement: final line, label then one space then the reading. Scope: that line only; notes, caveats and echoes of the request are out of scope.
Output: 5:25
